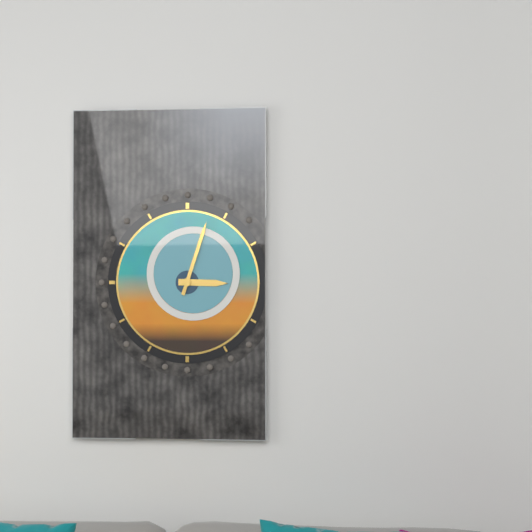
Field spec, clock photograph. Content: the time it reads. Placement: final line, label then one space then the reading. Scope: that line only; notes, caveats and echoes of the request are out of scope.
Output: 3:03
